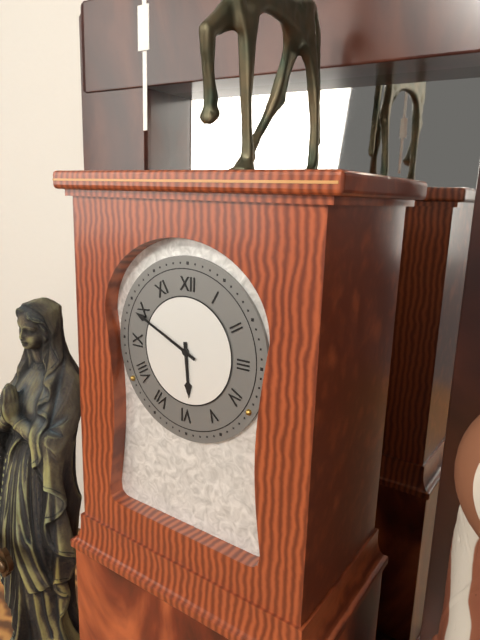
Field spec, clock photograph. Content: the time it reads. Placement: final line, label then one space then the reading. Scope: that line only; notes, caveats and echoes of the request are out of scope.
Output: 5:49
